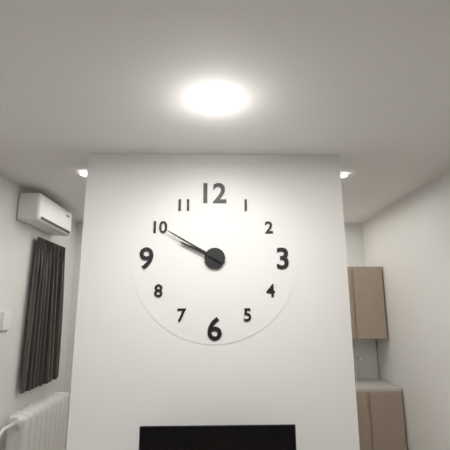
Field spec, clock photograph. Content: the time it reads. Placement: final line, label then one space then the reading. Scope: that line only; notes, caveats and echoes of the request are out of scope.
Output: 9:50
